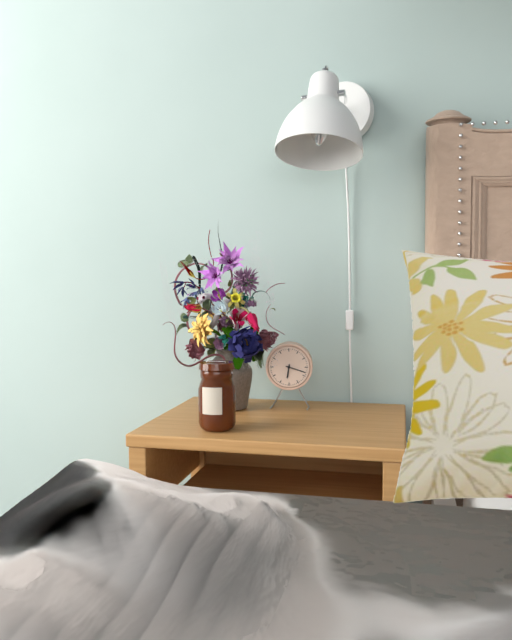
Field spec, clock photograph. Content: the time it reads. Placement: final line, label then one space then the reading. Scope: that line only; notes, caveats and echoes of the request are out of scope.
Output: 6:18
